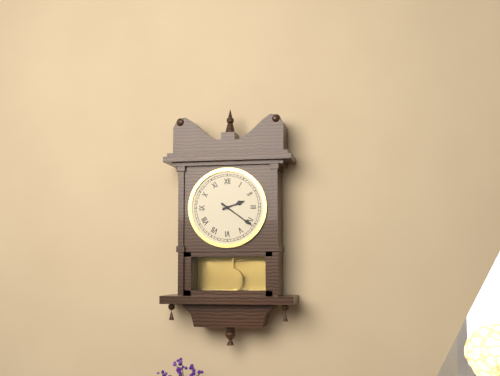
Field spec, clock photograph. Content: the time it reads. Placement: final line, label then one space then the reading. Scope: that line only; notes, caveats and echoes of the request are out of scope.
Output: 2:21
